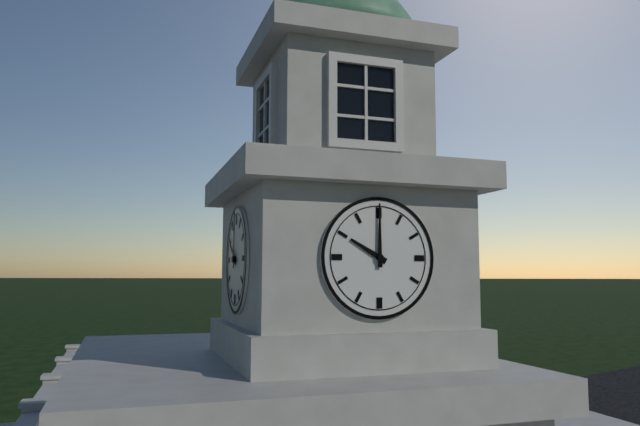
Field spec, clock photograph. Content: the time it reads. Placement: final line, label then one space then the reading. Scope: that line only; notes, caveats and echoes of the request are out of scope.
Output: 10:00
